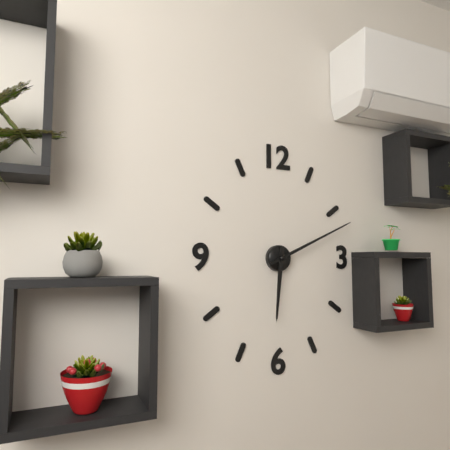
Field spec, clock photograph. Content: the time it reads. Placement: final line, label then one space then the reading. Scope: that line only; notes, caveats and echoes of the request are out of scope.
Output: 6:11
